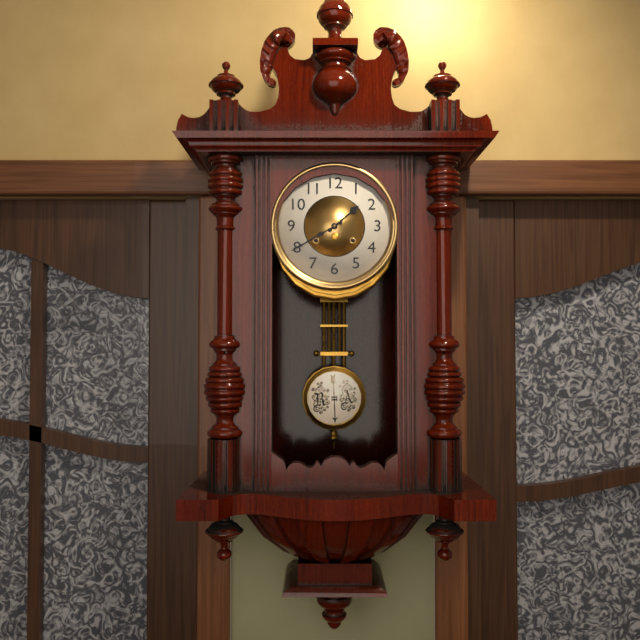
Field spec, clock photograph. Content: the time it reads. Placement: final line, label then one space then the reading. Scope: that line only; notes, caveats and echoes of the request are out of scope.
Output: 1:40
